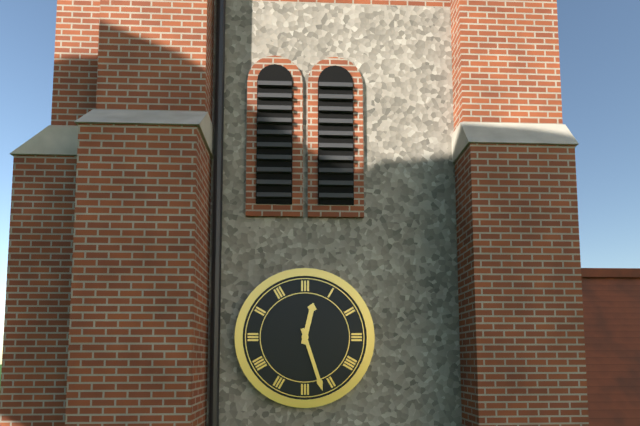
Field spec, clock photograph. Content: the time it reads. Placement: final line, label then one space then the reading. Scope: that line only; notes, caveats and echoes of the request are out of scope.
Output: 12:27
